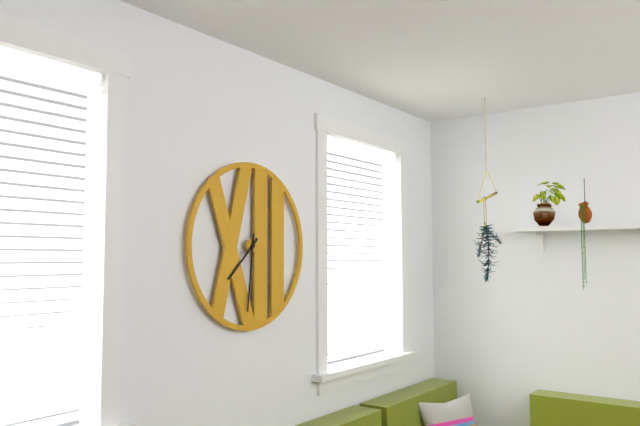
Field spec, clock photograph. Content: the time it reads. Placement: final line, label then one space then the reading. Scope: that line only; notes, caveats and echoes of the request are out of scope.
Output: 7:31
